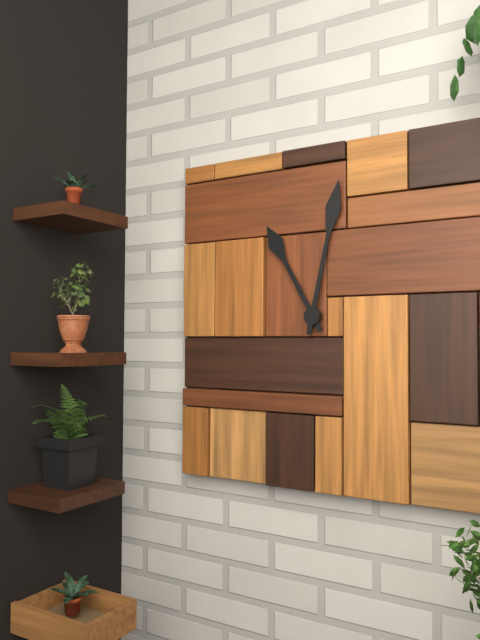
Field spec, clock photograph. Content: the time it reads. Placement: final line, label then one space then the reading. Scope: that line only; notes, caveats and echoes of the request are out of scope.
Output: 11:02
